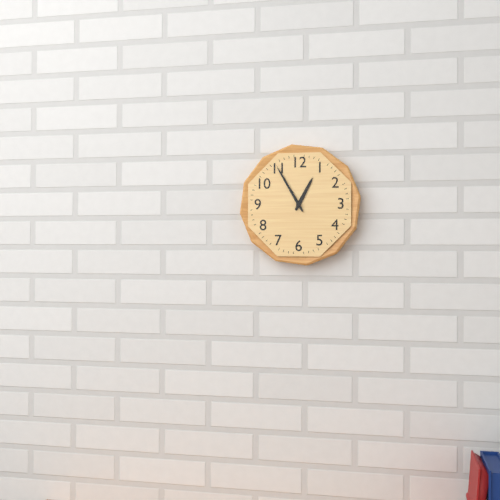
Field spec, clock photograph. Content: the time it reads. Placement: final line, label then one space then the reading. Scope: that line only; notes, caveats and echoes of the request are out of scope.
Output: 12:55
